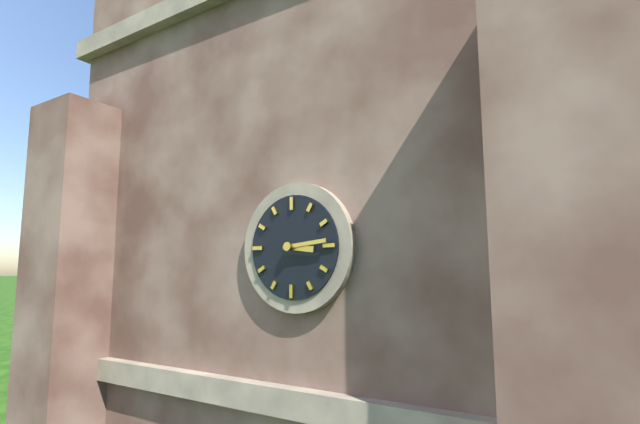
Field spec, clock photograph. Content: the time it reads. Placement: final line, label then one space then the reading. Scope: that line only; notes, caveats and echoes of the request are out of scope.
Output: 3:14
